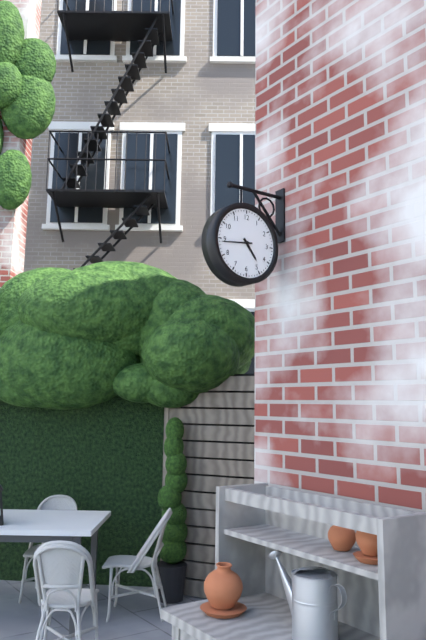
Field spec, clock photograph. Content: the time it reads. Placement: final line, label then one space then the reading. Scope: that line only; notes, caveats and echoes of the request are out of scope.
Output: 4:44
